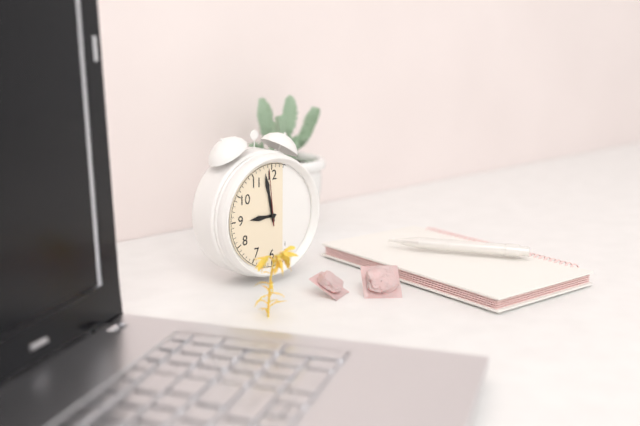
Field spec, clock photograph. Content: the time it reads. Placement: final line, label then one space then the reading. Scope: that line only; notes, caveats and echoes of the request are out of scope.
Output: 8:58:59
